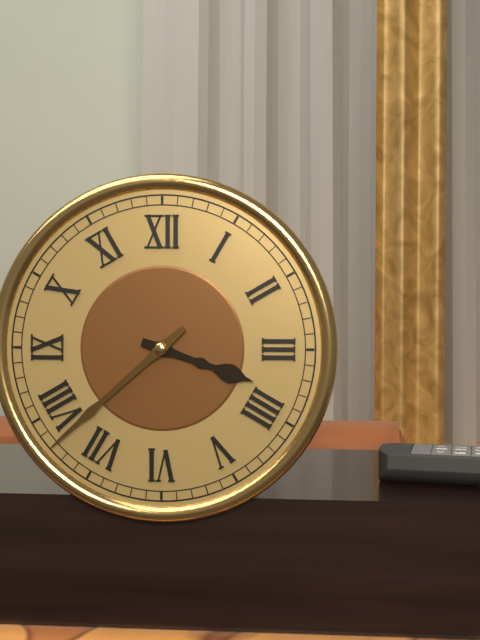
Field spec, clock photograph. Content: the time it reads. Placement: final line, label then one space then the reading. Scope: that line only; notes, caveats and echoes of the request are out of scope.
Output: 3:38
